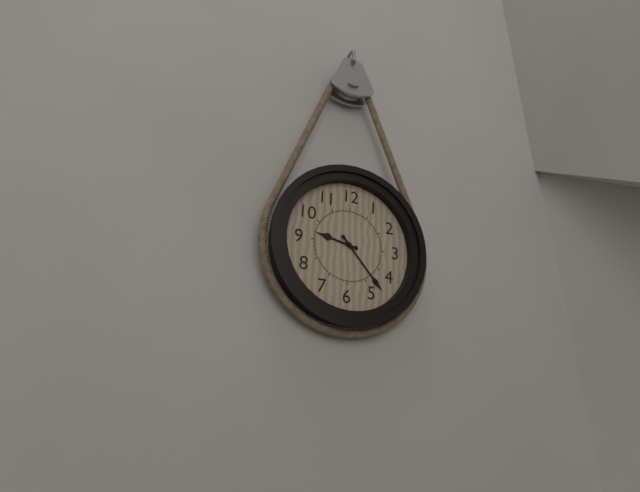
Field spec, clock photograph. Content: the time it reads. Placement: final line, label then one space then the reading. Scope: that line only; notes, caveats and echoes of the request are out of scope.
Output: 9:23
